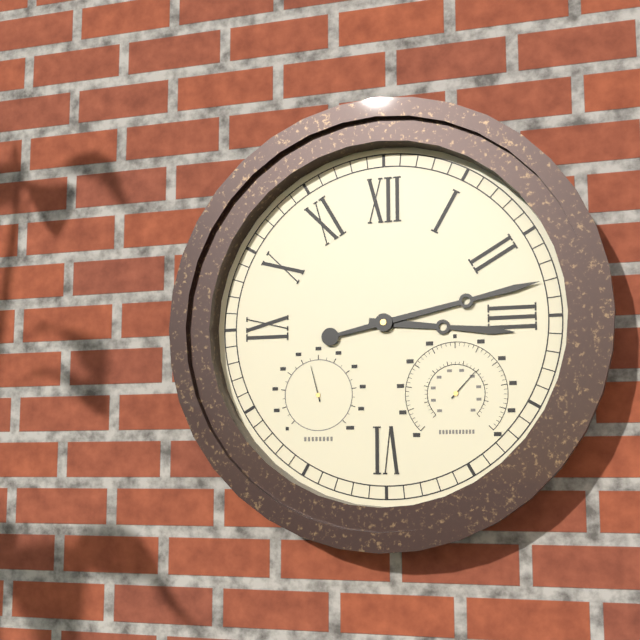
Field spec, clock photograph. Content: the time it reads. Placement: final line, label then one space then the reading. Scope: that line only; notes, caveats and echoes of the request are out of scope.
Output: 3:13
